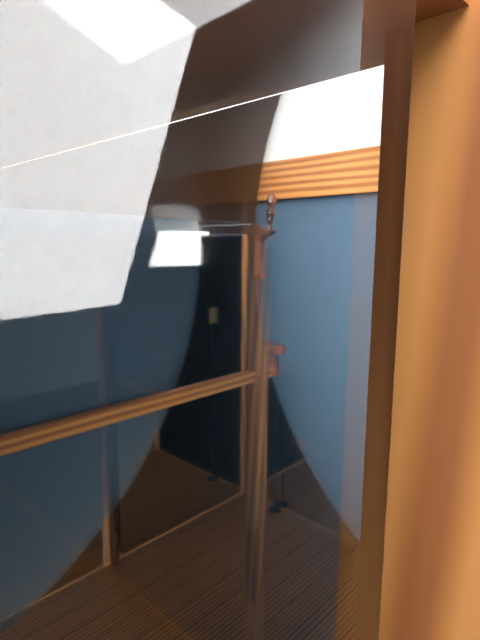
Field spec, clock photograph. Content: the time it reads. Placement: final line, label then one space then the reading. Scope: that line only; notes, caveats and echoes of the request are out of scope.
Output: 7:46
